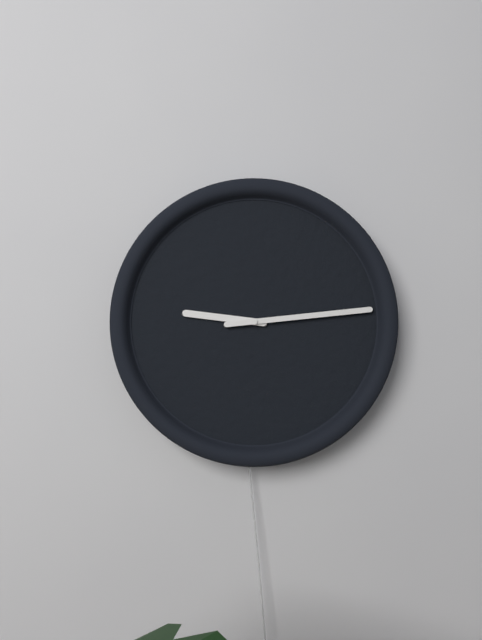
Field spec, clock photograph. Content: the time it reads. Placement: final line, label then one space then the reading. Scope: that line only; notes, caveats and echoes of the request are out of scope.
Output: 9:14
